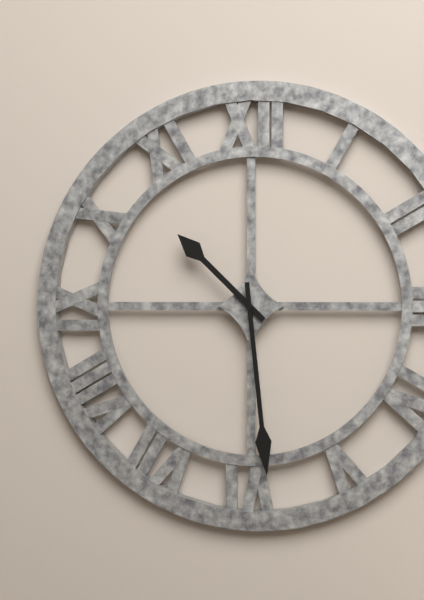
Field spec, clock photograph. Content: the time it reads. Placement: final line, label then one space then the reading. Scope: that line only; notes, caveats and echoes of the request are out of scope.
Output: 10:29
